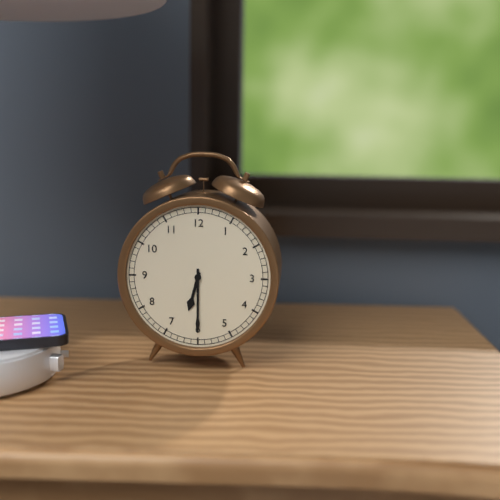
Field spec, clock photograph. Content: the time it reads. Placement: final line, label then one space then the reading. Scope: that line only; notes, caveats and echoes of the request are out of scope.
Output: 6:30
